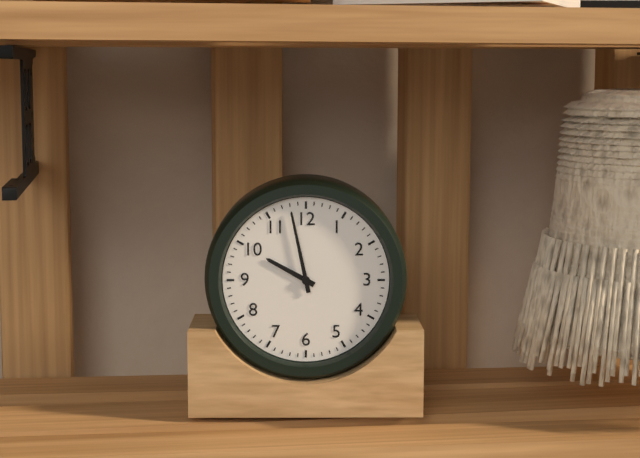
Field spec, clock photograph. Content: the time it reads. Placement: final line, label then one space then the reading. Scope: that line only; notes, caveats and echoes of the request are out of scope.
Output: 9:58
